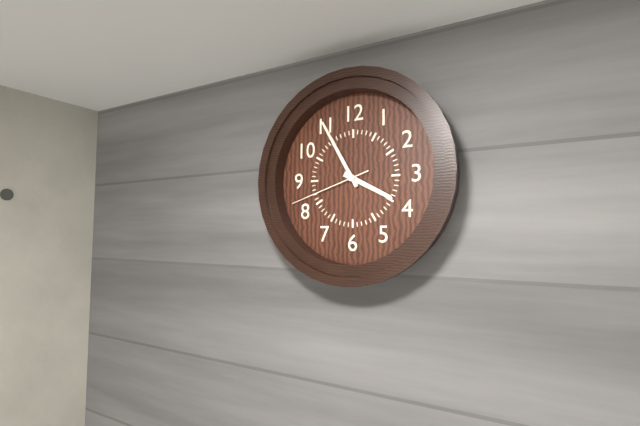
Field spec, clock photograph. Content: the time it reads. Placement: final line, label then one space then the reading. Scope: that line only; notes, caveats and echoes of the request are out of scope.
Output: 3:55:42
